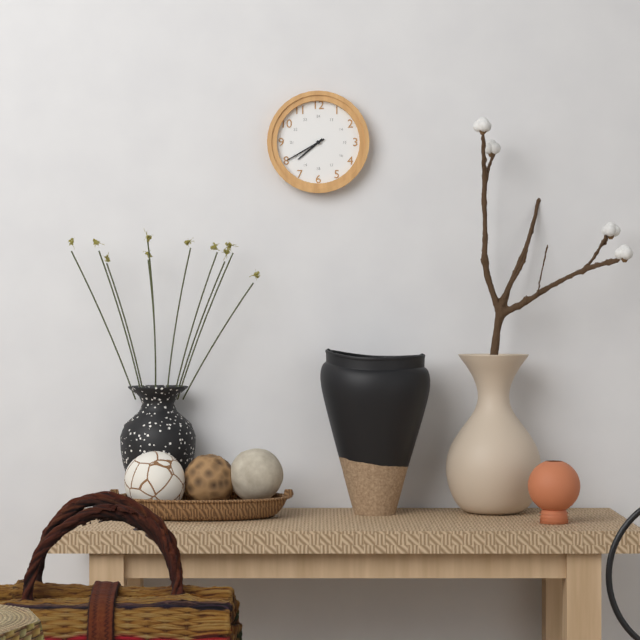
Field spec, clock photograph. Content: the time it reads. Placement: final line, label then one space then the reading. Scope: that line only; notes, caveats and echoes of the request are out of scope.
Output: 7:40
